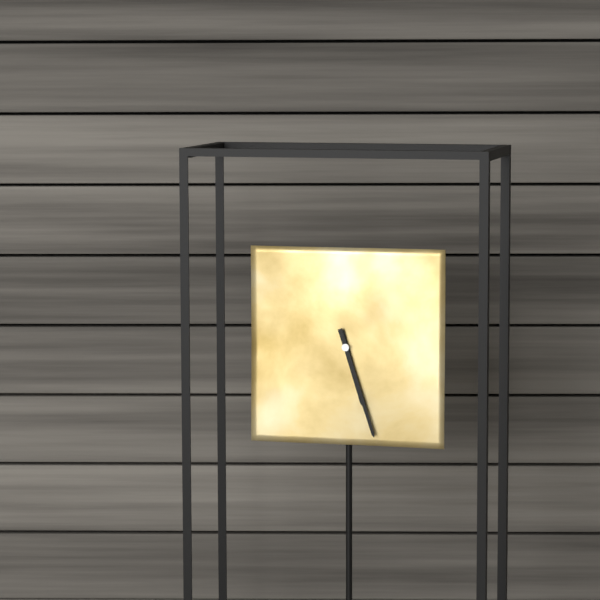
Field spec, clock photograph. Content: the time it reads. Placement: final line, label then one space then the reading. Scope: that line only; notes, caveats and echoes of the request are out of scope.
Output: 5:27
